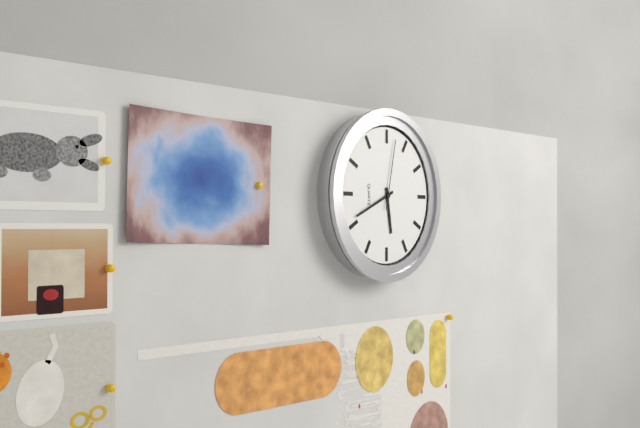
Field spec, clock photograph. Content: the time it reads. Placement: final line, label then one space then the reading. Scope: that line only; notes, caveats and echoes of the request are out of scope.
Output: 5:41:02
